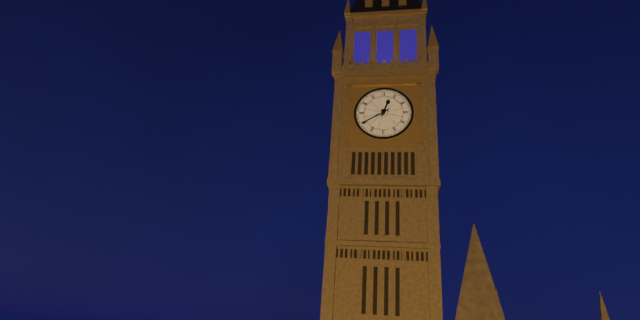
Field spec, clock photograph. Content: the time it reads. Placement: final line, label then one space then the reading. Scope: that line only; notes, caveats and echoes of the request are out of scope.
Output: 12:40
